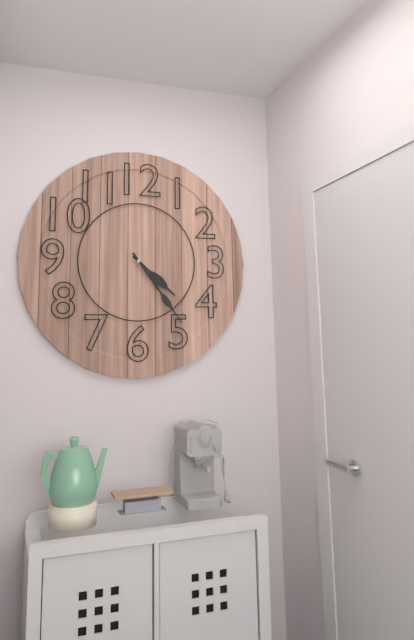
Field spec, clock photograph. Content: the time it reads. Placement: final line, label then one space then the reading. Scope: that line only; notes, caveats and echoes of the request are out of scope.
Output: 4:24
